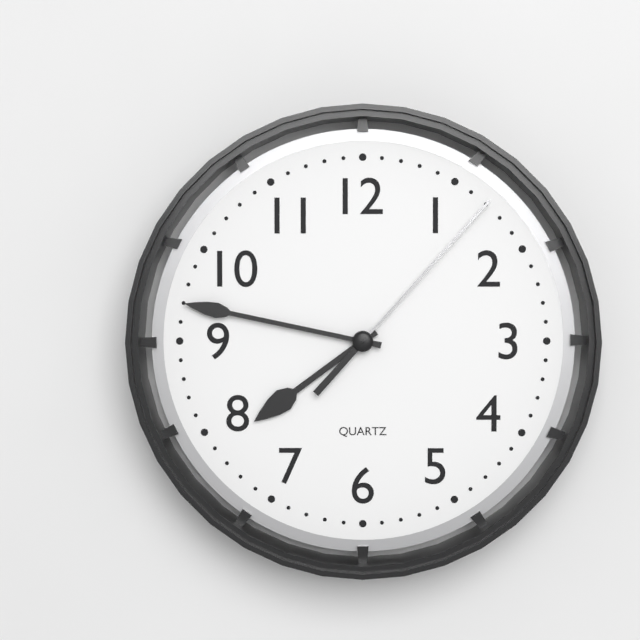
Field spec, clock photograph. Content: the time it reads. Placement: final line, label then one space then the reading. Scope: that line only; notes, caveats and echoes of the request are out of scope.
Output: 7:47:07
